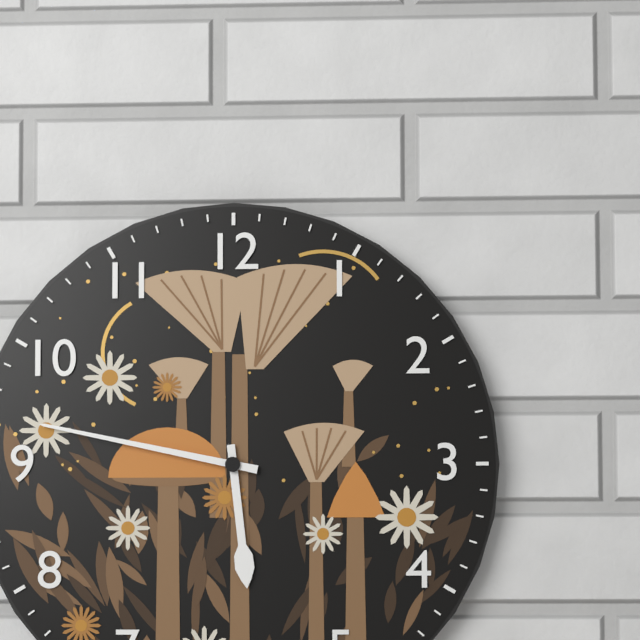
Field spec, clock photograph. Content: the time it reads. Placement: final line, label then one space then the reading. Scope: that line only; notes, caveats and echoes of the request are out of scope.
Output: 5:47
